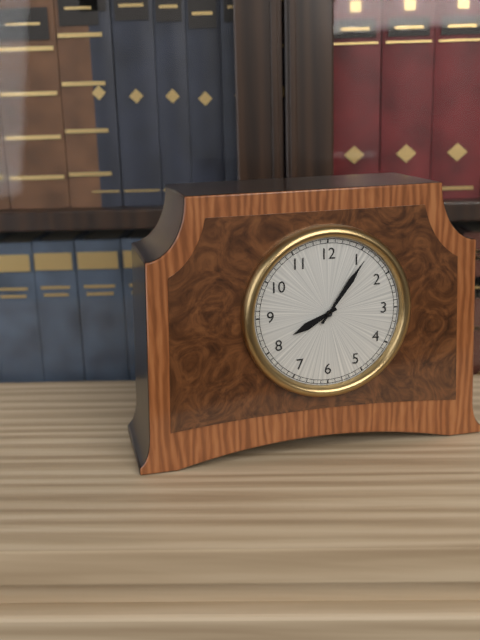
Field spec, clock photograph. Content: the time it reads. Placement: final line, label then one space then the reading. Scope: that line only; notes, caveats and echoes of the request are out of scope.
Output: 8:06
